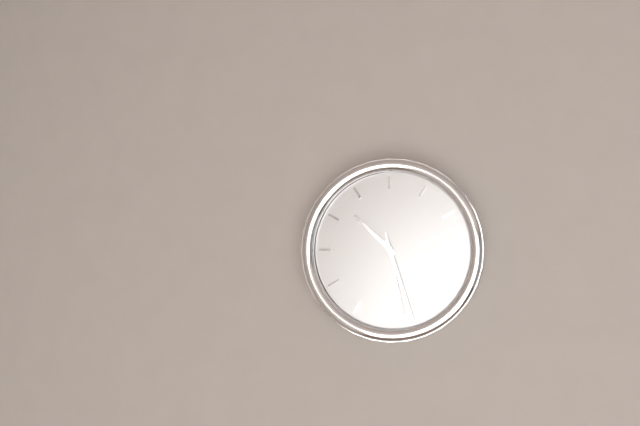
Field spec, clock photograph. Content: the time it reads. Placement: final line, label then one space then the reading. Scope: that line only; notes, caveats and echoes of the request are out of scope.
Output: 10:27:28
